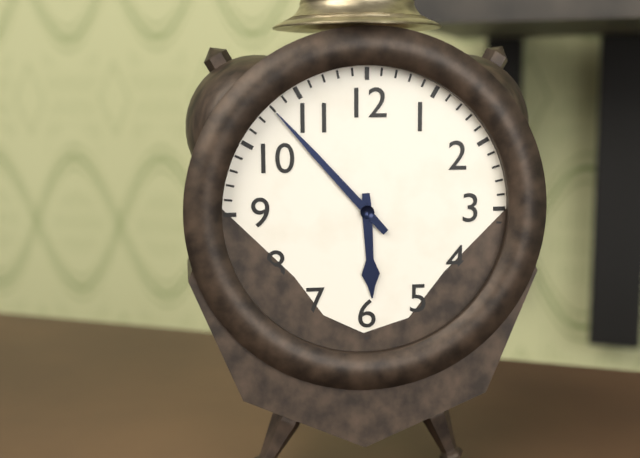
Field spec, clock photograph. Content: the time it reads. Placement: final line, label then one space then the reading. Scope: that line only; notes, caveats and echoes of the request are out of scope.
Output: 5:53
